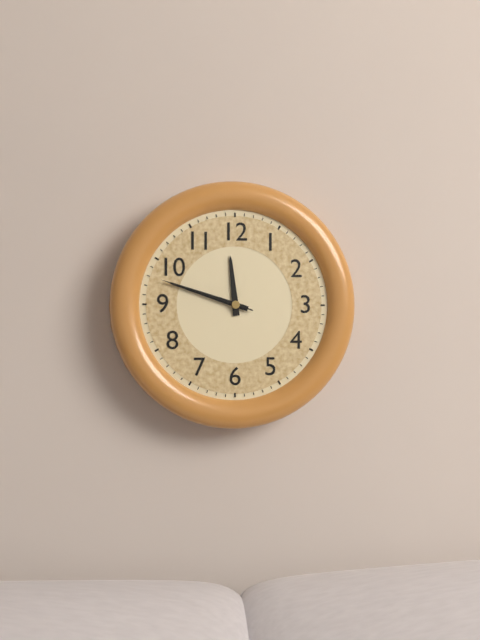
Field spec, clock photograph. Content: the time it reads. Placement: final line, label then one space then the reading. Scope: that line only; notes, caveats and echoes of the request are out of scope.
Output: 11:48:48
